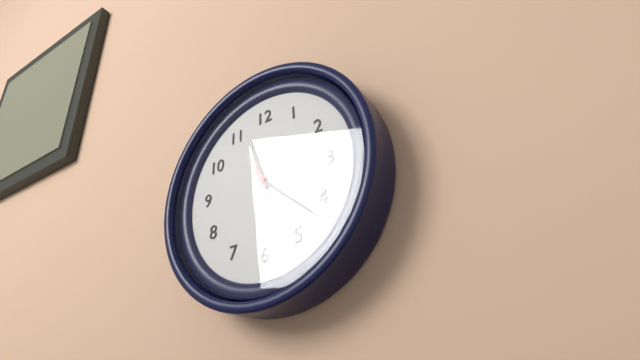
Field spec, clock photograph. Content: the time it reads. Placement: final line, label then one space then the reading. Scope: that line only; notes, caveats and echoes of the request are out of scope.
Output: 11:22:26
